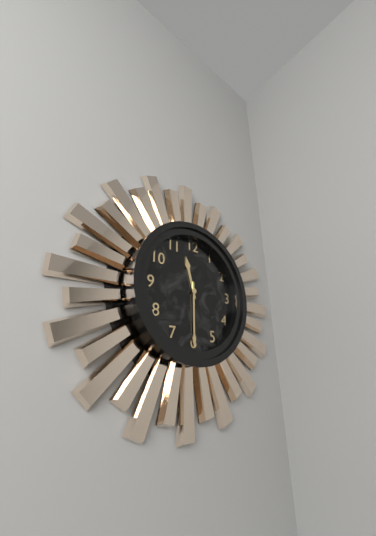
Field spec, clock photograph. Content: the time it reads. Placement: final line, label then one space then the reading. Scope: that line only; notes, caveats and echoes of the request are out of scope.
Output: 11:30
